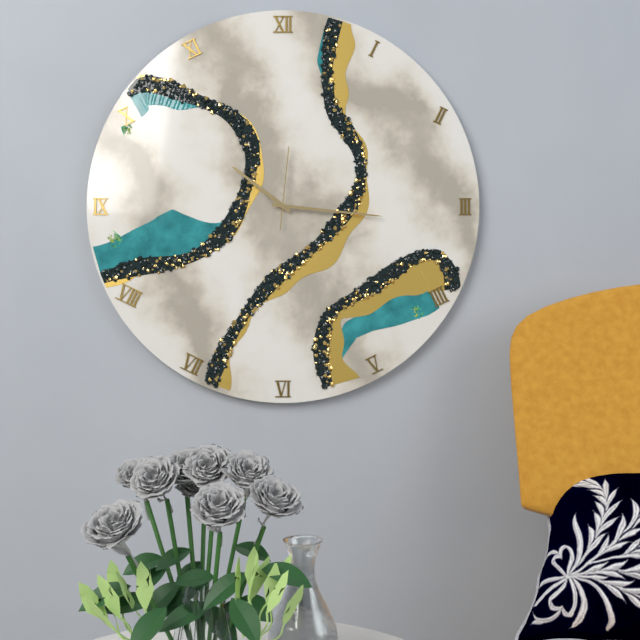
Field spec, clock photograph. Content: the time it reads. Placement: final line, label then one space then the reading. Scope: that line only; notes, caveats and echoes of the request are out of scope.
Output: 10:16:01
